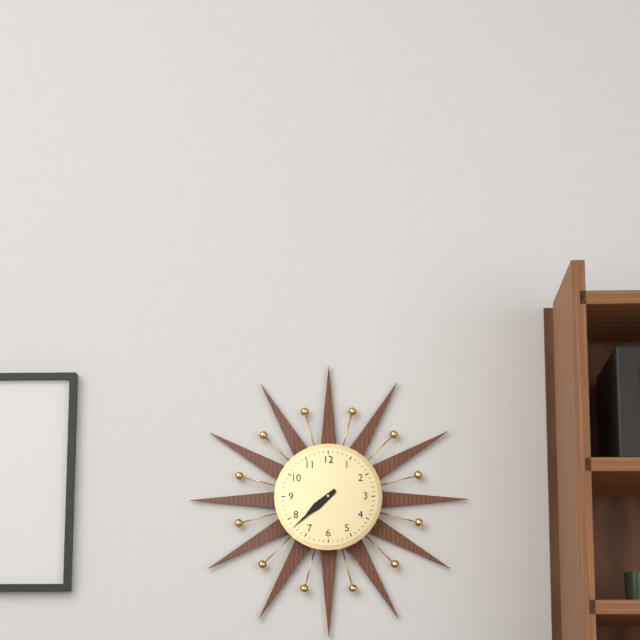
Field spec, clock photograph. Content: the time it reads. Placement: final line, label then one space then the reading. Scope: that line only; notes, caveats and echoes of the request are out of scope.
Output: 7:38
